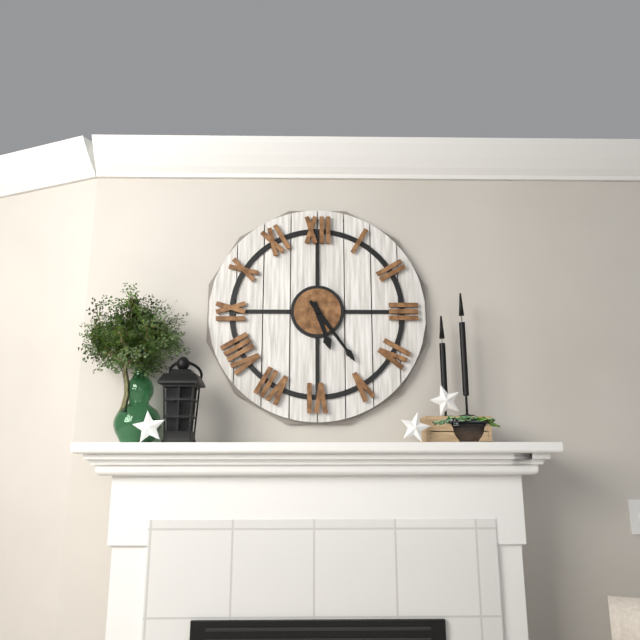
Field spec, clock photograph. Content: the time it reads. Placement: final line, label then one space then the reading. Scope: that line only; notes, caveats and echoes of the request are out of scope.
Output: 5:24
